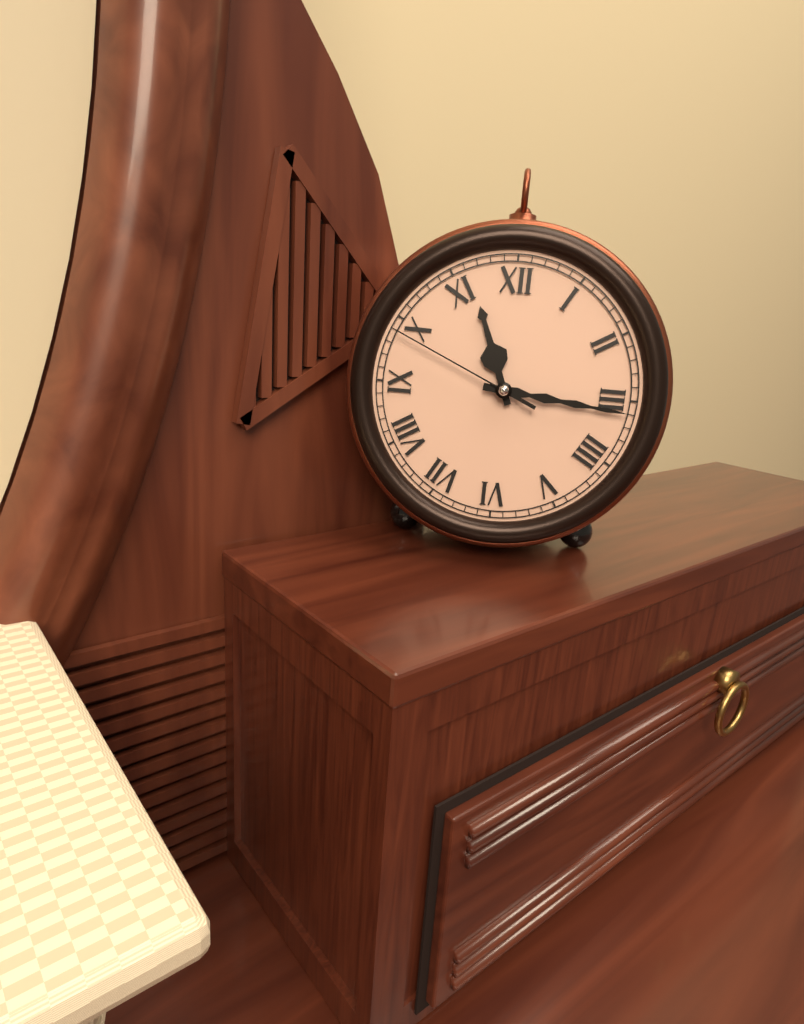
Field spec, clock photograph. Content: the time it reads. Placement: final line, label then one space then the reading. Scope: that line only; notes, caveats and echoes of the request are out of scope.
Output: 11:16:49
